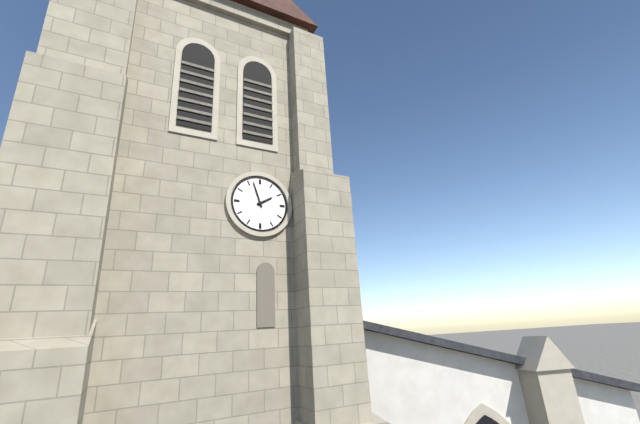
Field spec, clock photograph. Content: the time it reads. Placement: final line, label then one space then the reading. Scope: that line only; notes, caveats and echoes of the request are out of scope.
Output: 1:57
